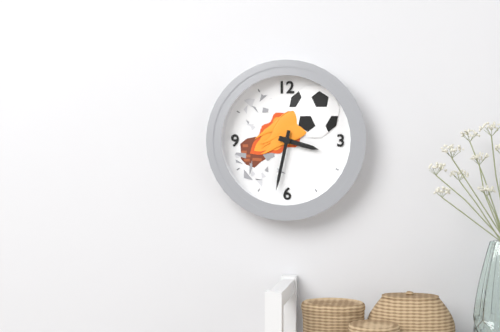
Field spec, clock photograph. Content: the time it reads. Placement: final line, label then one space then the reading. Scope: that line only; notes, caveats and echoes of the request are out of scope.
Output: 3:32
